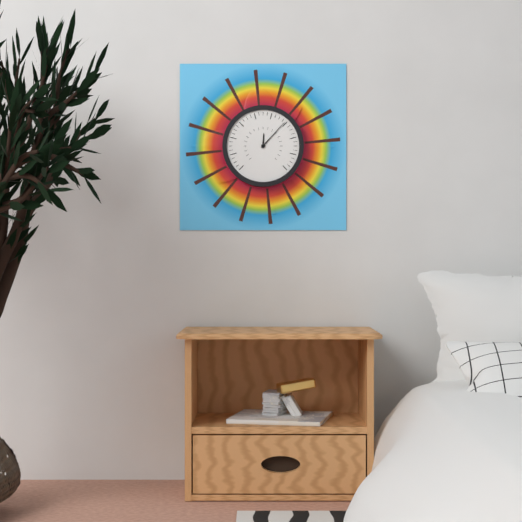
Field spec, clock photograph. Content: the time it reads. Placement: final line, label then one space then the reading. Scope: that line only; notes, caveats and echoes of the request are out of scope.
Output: 12:07
